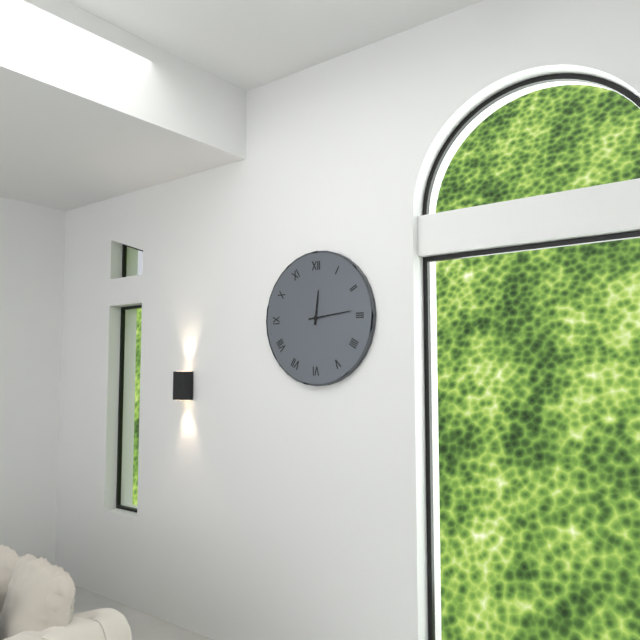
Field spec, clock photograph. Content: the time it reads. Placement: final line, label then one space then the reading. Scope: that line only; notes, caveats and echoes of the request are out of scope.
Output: 12:14
